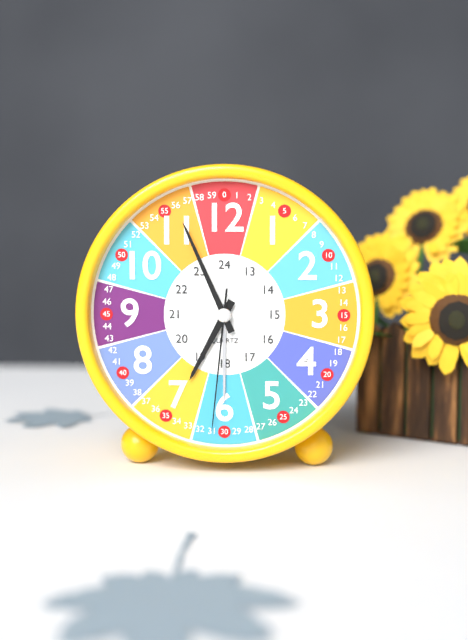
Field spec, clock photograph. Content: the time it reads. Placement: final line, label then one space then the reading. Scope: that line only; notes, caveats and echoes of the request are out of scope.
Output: 6:56:31
